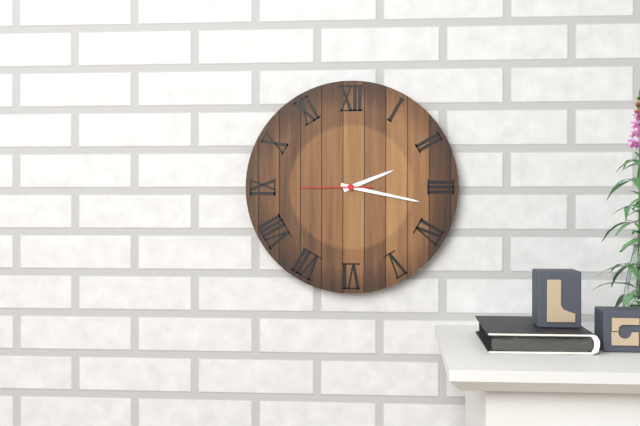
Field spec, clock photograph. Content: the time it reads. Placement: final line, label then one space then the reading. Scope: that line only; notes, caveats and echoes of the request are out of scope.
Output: 2:17:45
